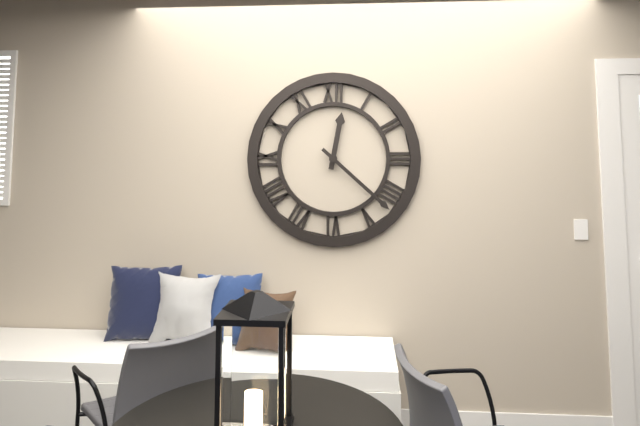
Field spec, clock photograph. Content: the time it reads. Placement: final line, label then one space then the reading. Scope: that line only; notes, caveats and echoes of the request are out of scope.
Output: 12:22
